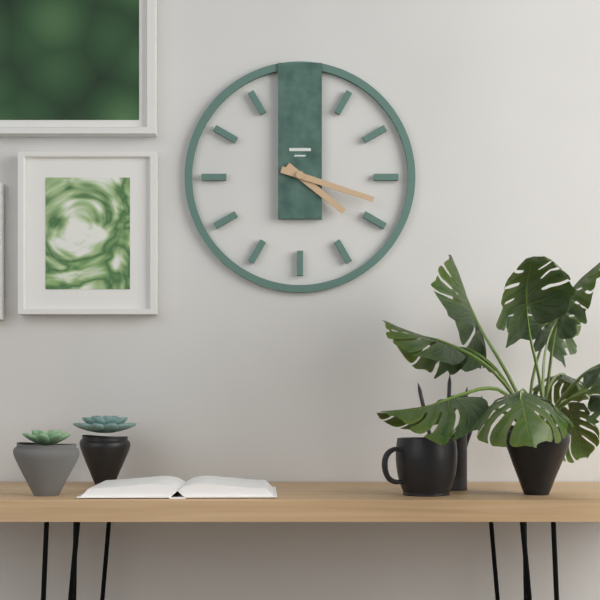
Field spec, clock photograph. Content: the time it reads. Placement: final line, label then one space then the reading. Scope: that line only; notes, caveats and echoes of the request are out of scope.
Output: 4:18
